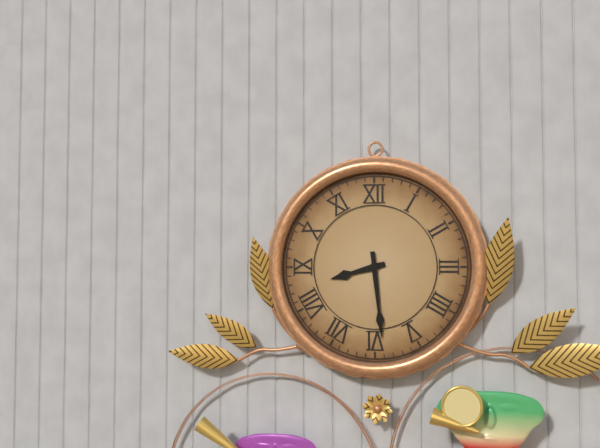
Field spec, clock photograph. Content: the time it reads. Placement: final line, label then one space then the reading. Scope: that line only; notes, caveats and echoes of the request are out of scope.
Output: 8:29
